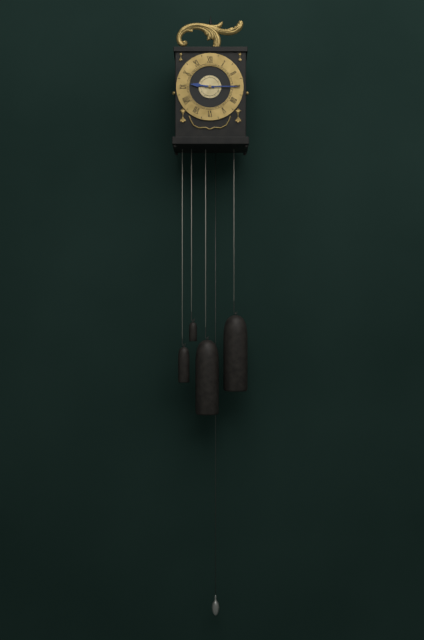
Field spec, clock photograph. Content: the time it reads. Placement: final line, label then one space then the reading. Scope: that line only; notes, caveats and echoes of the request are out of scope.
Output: 9:15
